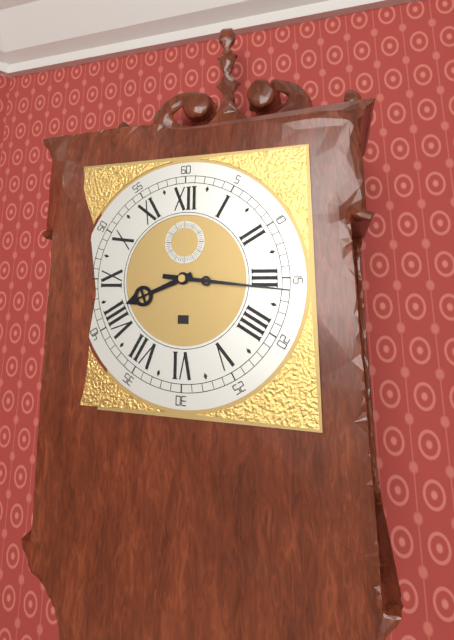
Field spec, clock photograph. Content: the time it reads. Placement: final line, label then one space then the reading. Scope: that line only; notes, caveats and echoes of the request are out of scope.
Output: 8:16
